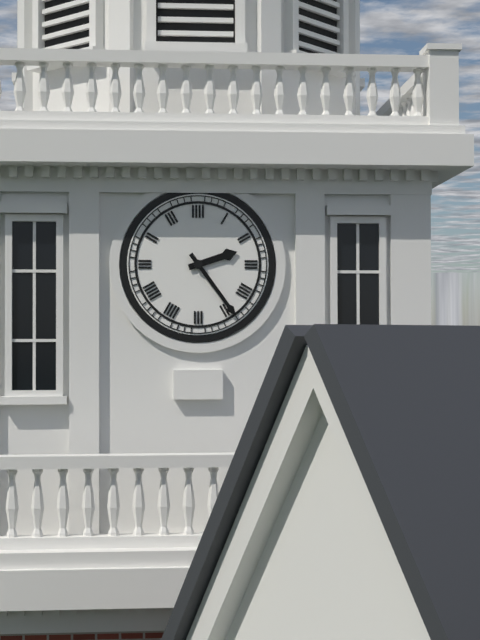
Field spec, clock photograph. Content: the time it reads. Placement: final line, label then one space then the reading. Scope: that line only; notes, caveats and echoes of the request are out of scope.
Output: 2:24
